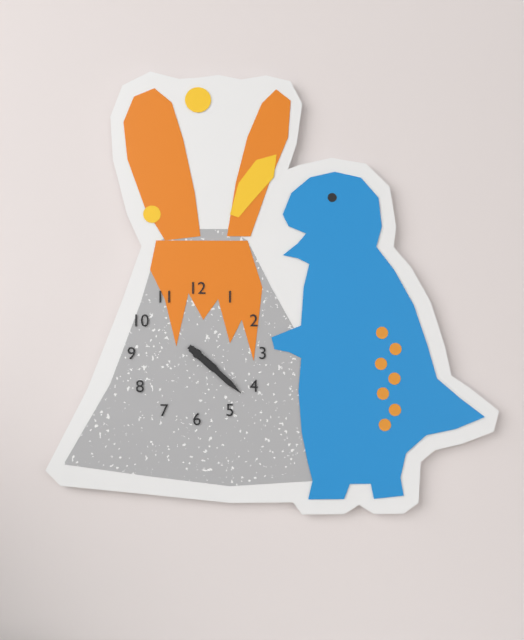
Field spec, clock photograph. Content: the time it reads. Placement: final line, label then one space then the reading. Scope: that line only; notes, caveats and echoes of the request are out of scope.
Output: 4:22
